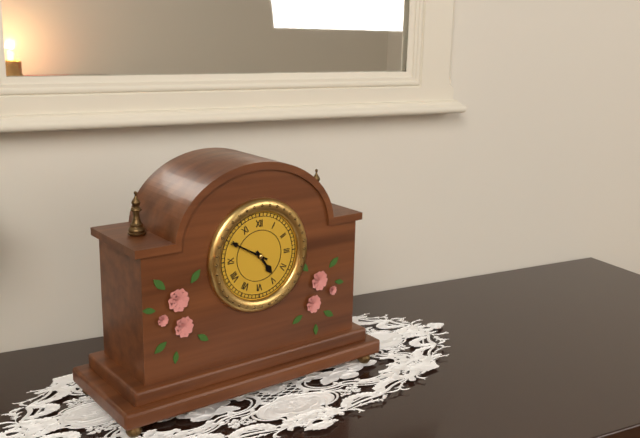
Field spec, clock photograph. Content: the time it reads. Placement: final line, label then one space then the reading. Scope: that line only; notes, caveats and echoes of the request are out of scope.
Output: 4:50
